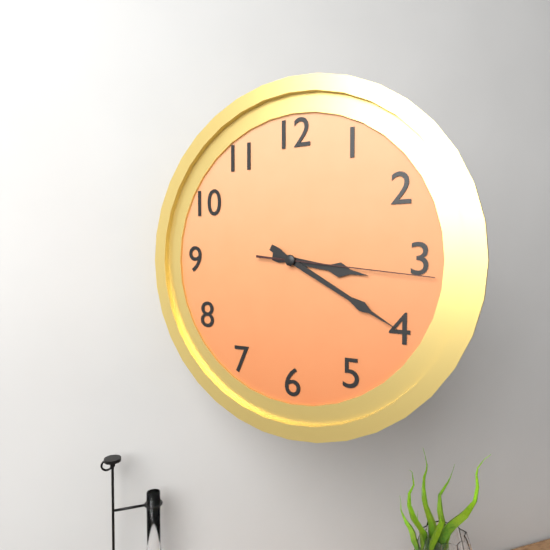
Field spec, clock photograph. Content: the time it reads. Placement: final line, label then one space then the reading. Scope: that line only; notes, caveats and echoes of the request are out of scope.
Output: 3:20:16
